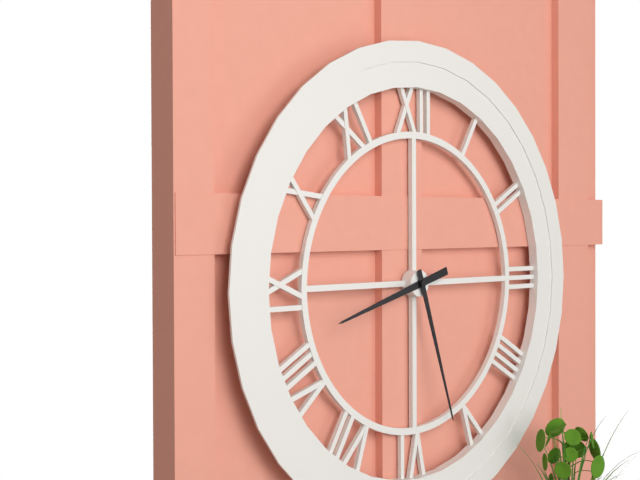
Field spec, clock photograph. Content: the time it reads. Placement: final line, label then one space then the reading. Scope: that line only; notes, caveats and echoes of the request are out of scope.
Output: 8:27
